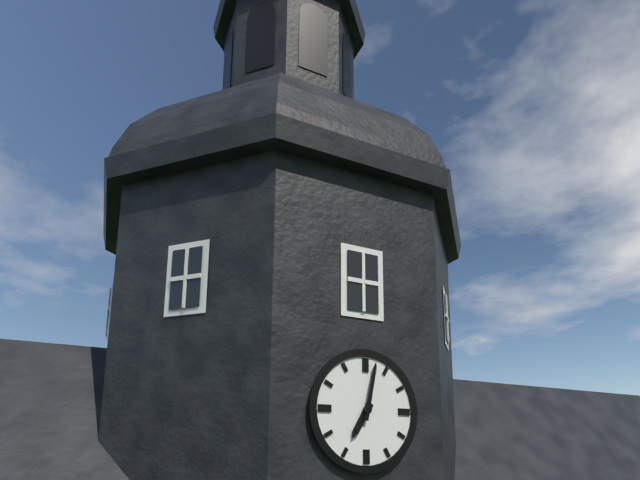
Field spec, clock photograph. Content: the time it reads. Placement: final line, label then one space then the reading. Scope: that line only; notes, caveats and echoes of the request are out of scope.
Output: 7:02
